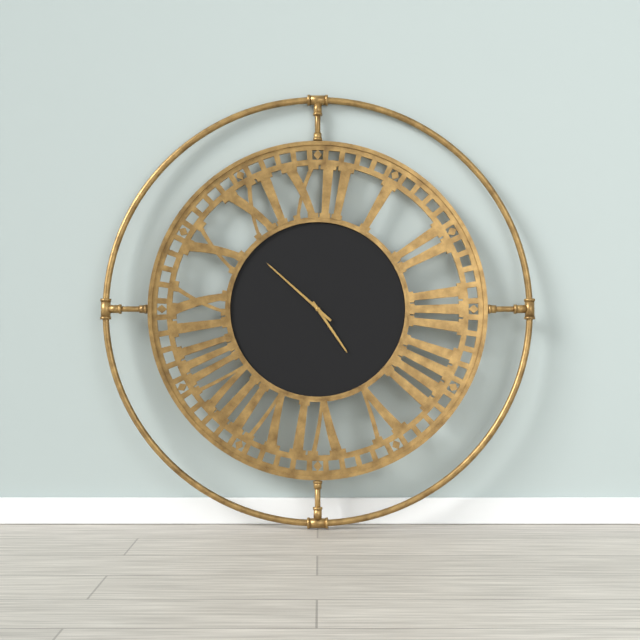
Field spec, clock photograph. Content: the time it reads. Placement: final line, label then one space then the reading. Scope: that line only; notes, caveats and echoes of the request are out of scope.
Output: 4:52
